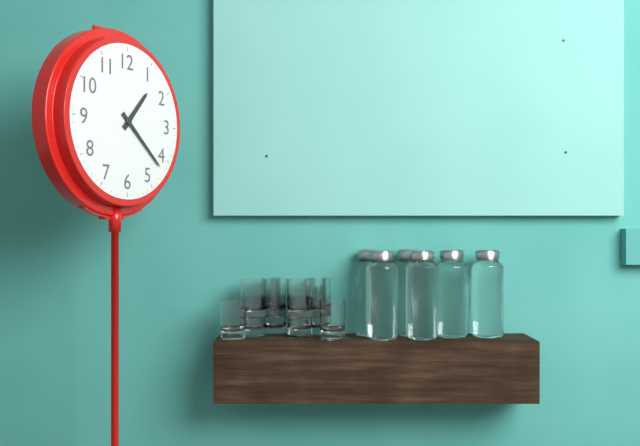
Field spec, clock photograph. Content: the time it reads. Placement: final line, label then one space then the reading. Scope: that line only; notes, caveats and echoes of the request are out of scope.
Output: 1:22
